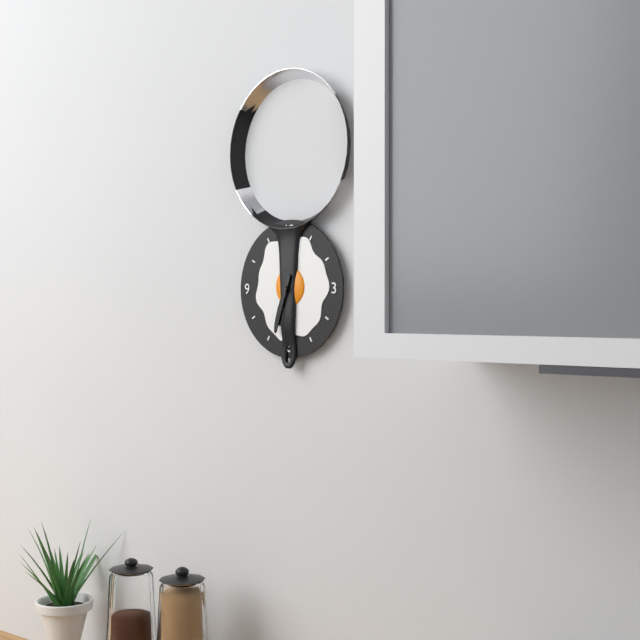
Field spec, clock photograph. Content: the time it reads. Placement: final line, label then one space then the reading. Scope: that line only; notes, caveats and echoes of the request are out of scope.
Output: 6:33
